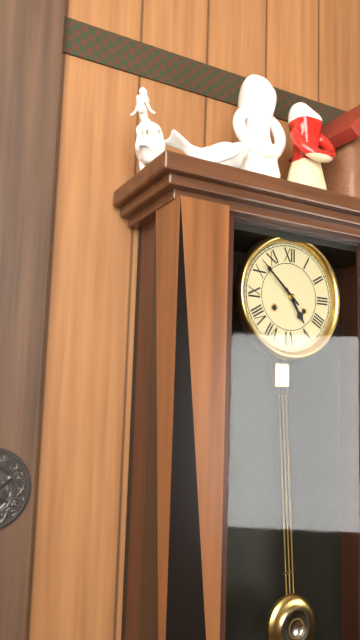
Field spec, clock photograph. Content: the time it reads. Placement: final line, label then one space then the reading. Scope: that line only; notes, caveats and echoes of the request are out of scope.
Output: 4:52
